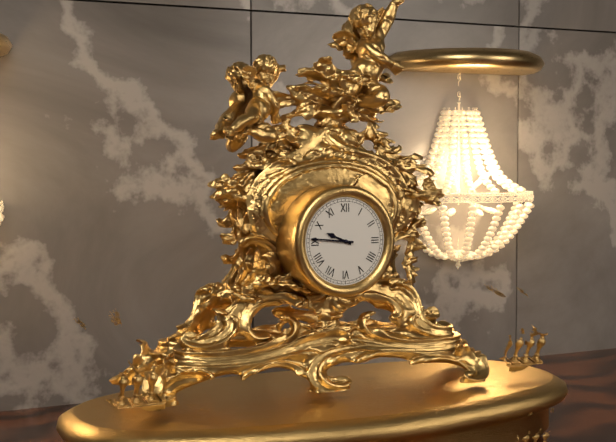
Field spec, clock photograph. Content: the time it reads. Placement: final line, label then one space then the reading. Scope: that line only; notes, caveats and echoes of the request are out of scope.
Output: 9:46
